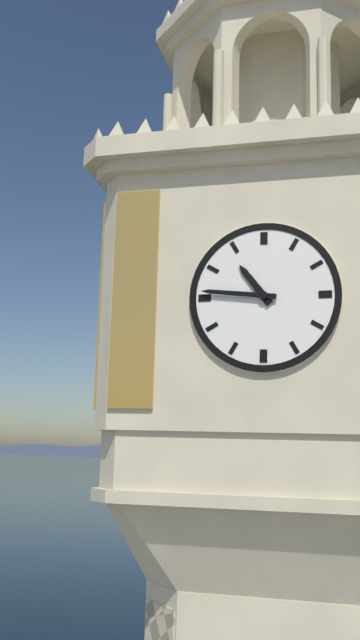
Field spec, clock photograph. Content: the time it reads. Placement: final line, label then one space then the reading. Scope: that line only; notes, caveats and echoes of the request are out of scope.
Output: 10:46
